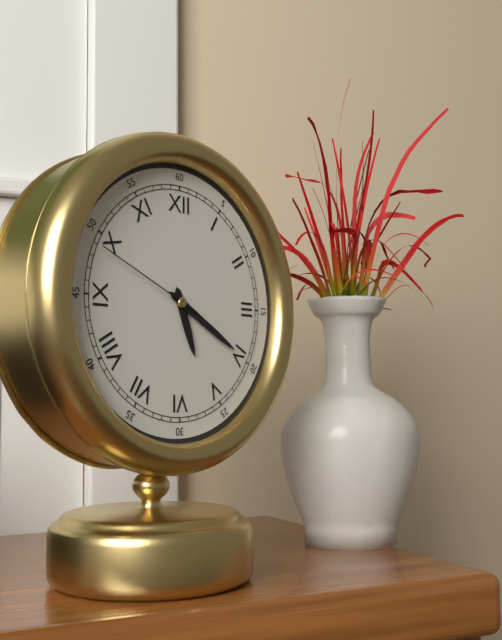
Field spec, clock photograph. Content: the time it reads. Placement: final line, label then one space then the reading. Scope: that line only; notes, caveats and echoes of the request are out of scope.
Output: 5:20:49
